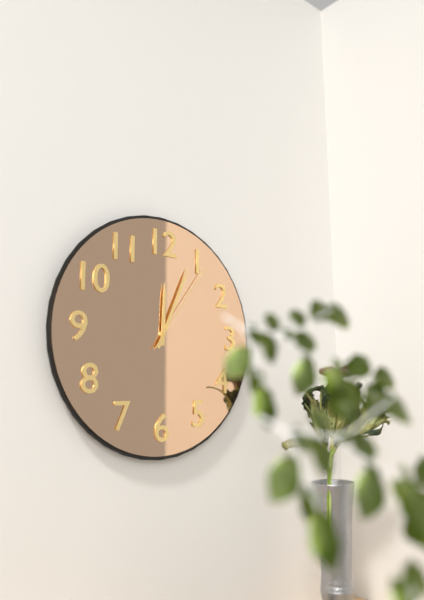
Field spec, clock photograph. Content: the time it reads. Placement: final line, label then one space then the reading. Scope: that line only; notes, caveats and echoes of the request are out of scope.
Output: 12:04:06
